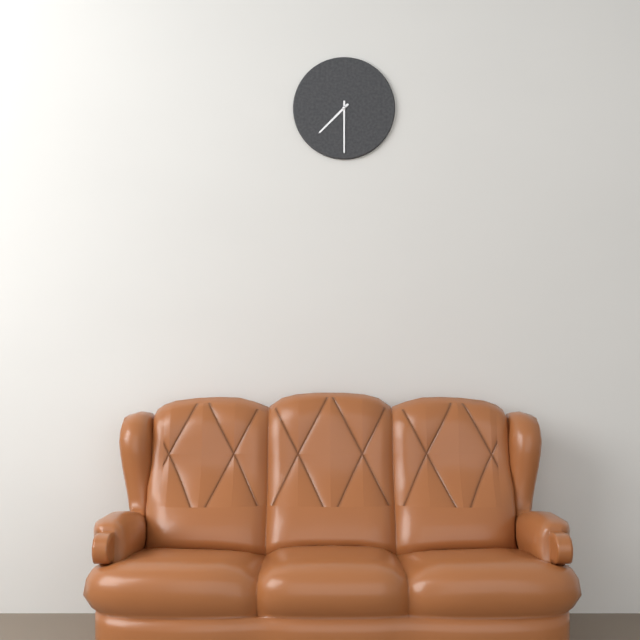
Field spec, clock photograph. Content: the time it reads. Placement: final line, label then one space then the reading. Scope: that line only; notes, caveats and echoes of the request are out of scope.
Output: 7:30
